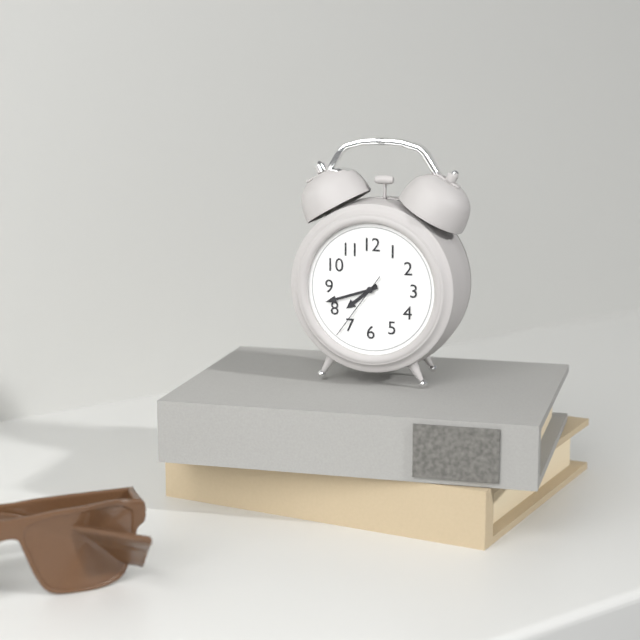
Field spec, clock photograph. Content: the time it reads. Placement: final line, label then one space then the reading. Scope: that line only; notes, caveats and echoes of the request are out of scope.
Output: 7:42:36
